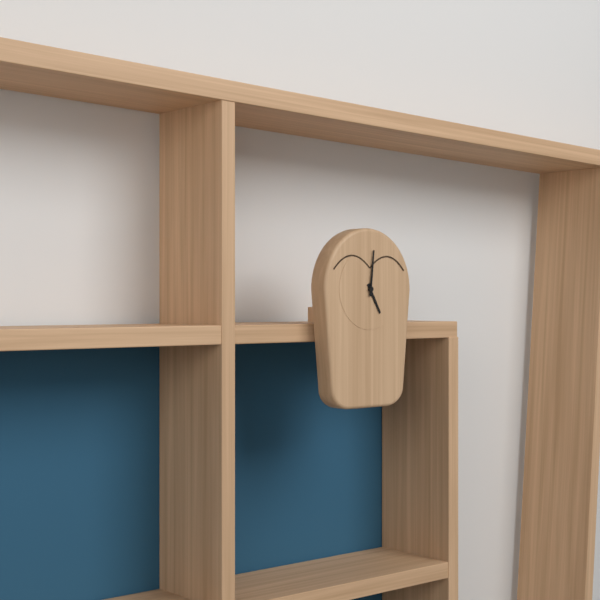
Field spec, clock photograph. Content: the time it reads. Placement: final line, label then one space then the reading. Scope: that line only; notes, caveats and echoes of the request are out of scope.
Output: 5:01
